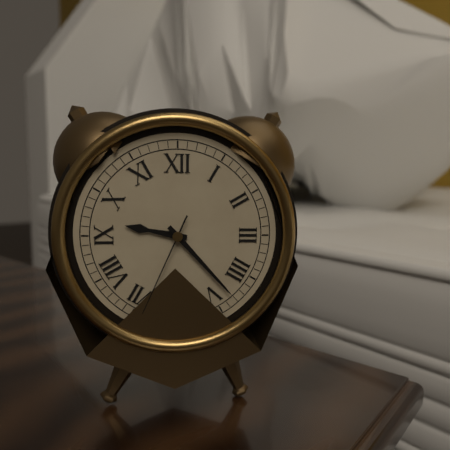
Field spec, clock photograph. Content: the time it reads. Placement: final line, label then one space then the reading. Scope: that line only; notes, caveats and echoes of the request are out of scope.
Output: 9:23:34
